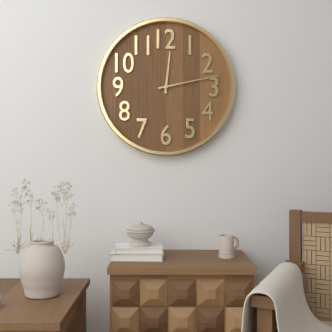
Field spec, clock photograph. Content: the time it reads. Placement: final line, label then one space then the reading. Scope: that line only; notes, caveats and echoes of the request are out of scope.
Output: 12:13
